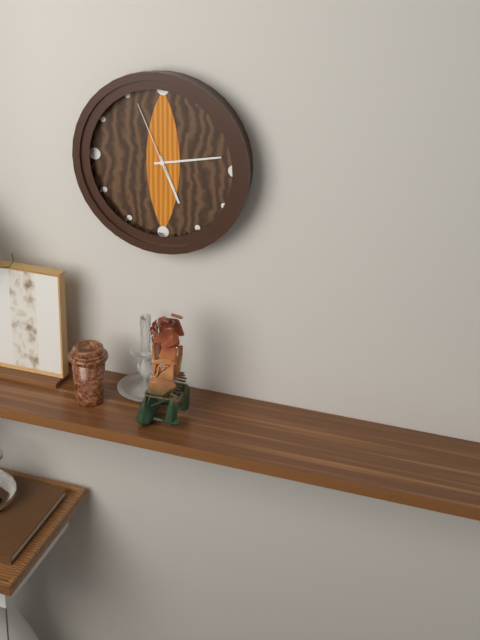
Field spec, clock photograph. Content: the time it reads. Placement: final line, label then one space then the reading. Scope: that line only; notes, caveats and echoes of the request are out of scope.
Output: 5:13:56
